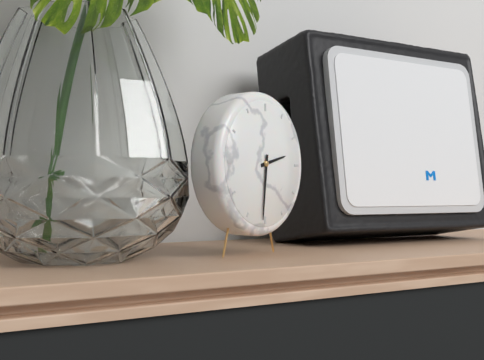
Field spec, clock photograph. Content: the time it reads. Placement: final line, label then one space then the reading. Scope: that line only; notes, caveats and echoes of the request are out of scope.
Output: 2:31
